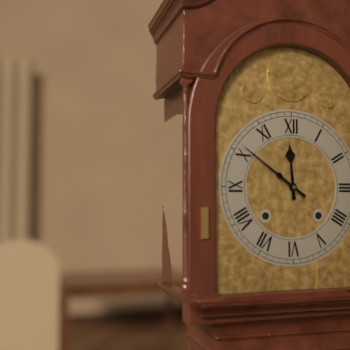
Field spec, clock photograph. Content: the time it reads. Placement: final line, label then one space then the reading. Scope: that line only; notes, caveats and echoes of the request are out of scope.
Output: 11:51
